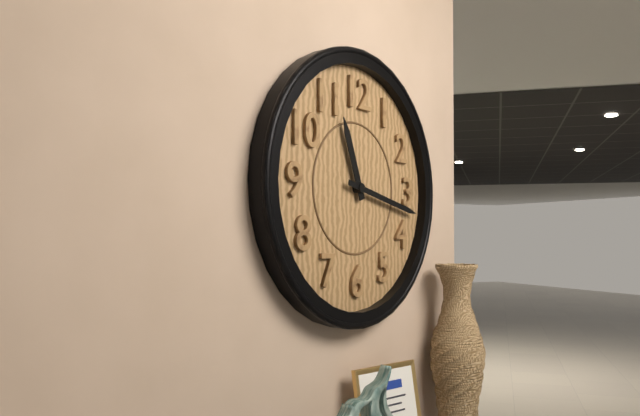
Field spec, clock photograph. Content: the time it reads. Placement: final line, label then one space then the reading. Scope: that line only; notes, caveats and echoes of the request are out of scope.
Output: 11:17
